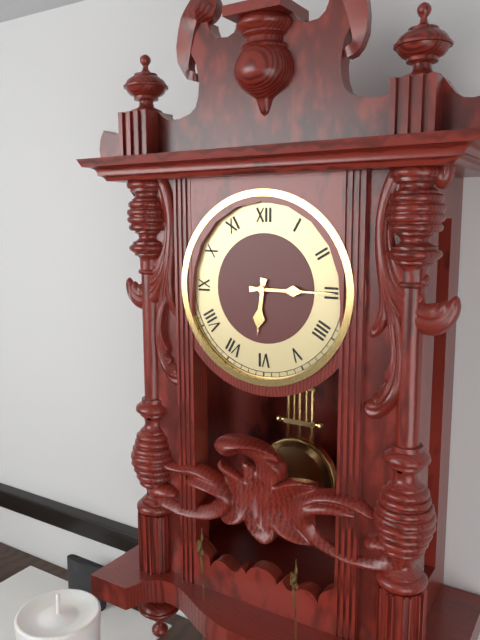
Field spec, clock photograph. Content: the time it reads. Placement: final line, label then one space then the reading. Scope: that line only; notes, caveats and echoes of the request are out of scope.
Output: 6:15
